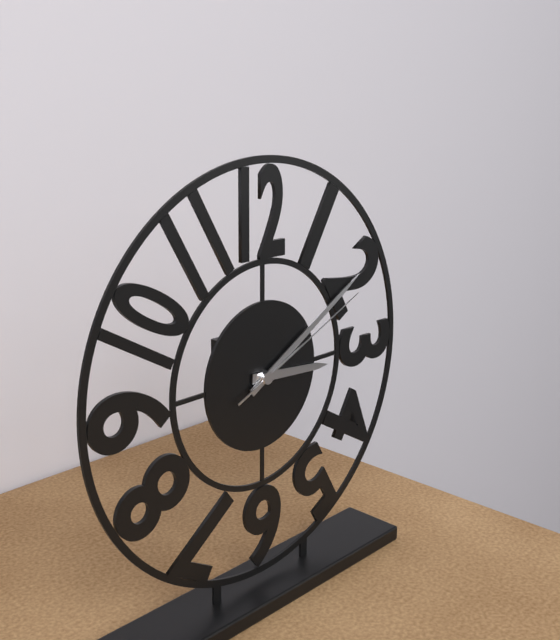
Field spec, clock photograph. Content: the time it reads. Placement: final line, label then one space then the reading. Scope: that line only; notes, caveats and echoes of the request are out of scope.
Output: 3:10:11
